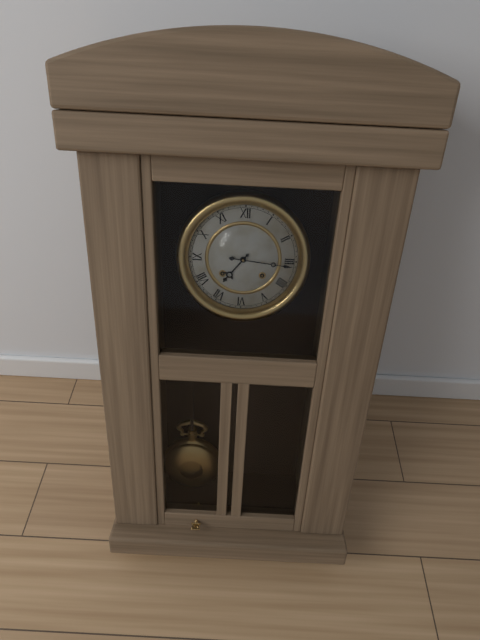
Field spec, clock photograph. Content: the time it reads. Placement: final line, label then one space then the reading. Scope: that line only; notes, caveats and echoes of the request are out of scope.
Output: 7:16
